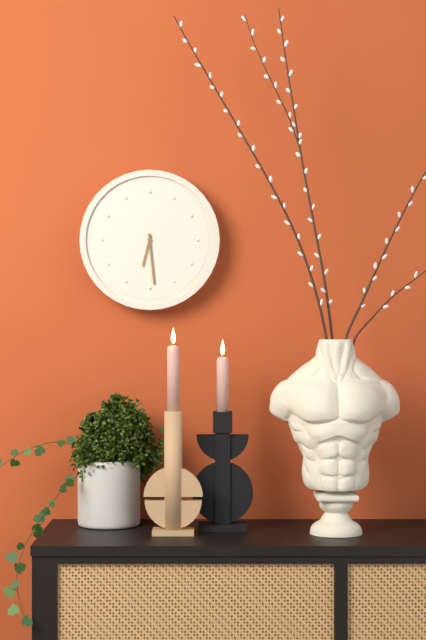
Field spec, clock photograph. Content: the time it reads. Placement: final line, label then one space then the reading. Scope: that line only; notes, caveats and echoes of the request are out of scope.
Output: 6:29
